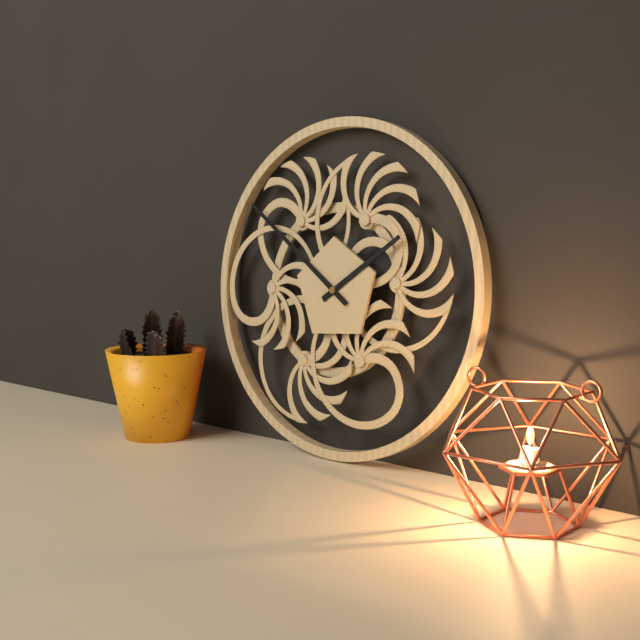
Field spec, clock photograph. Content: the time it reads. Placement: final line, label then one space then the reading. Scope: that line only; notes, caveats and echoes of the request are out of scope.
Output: 1:51
